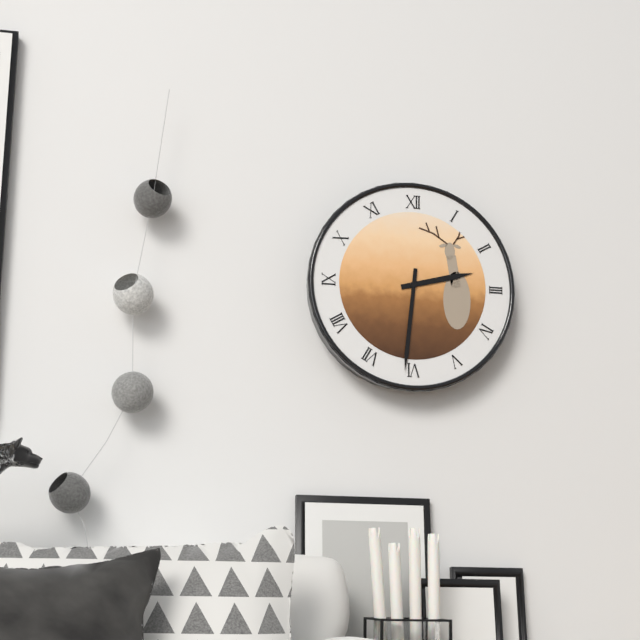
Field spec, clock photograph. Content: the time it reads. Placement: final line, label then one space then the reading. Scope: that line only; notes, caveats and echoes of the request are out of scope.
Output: 2:31
